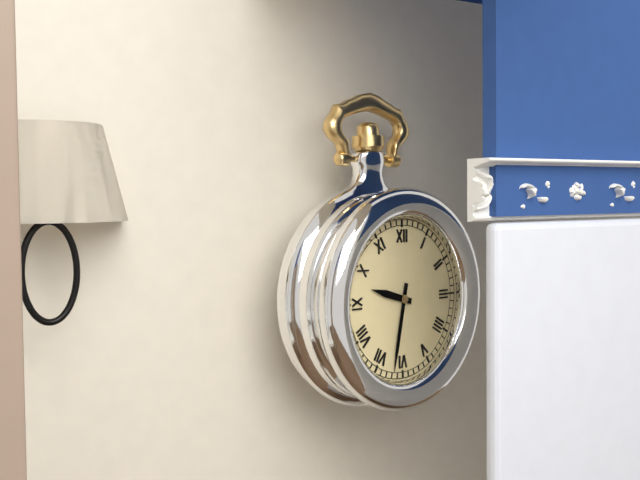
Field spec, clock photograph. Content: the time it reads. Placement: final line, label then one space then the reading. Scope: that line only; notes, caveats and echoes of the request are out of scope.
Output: 9:32
